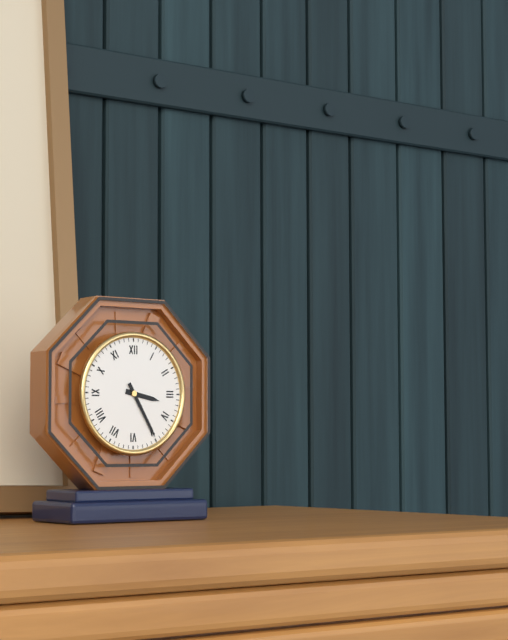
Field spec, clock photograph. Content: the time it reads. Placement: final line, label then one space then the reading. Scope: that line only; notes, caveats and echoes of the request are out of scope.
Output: 3:25
